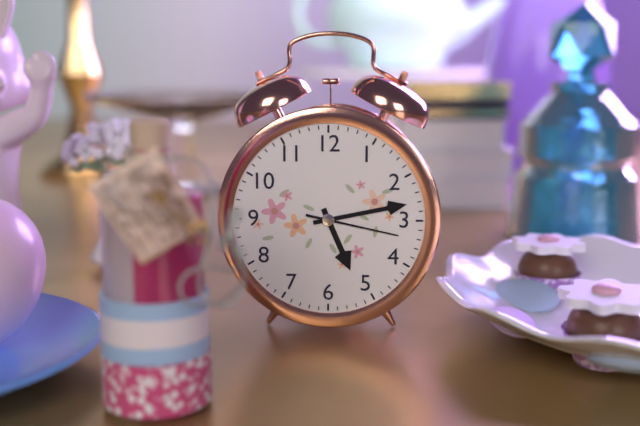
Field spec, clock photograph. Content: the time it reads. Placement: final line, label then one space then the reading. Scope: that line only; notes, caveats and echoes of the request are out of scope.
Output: 5:13:17
